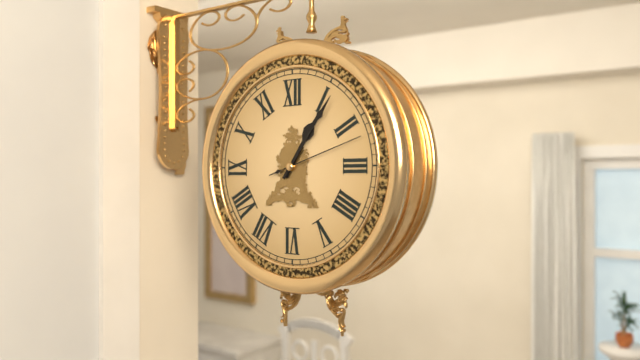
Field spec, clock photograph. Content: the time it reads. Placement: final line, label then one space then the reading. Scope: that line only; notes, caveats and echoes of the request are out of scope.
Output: 1:06:12
